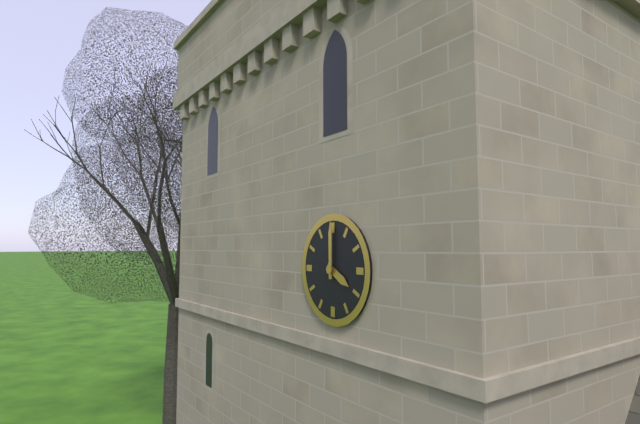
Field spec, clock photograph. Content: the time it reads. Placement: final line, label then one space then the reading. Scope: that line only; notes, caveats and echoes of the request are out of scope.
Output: 4:00
